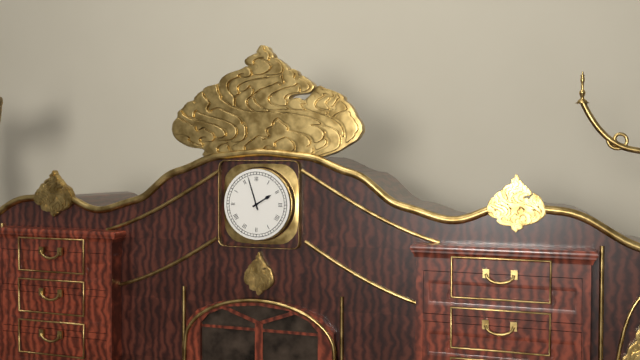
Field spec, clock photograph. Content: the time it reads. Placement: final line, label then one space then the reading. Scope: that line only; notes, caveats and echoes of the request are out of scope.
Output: 1:57
